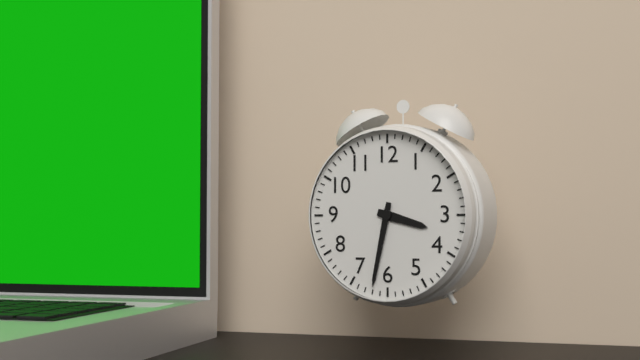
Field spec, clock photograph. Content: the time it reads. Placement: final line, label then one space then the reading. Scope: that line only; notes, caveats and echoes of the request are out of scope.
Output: 3:32
